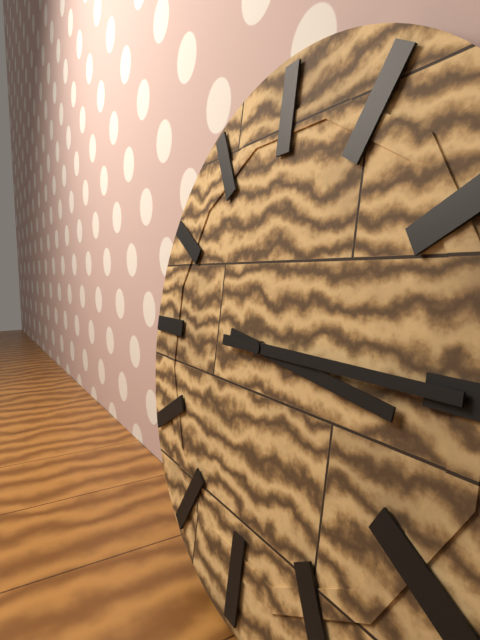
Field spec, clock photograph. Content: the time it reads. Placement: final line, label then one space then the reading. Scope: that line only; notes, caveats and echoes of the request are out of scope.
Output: 3:15
